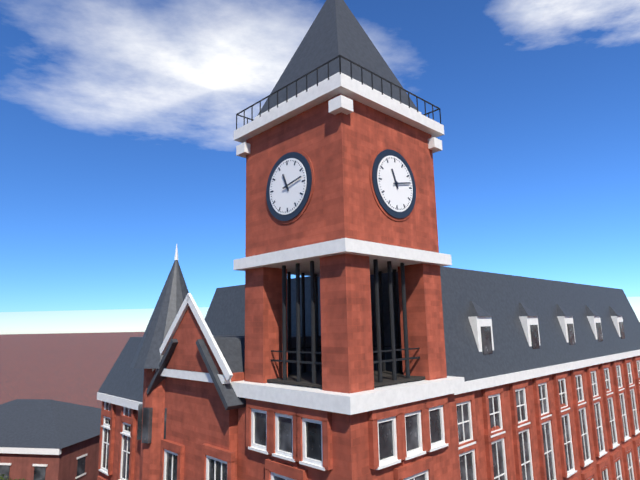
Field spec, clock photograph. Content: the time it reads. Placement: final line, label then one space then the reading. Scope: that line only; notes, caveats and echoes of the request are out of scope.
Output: 11:13
